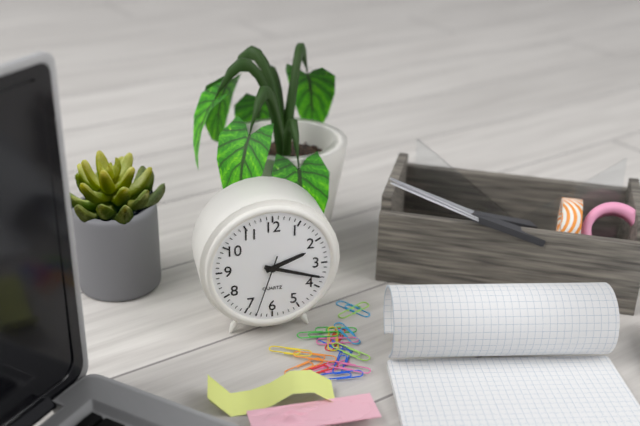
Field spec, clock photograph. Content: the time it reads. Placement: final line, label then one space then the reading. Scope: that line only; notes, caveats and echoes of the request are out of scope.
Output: 2:18:33
